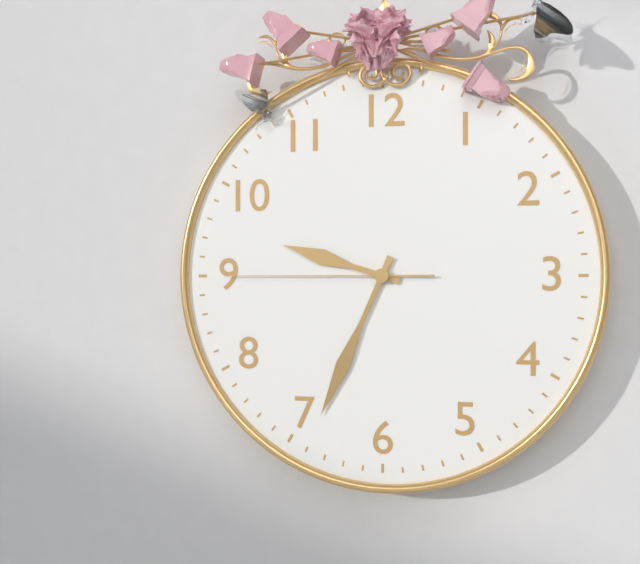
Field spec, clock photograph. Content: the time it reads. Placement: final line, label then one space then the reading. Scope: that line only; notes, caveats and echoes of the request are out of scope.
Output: 9:34:45
